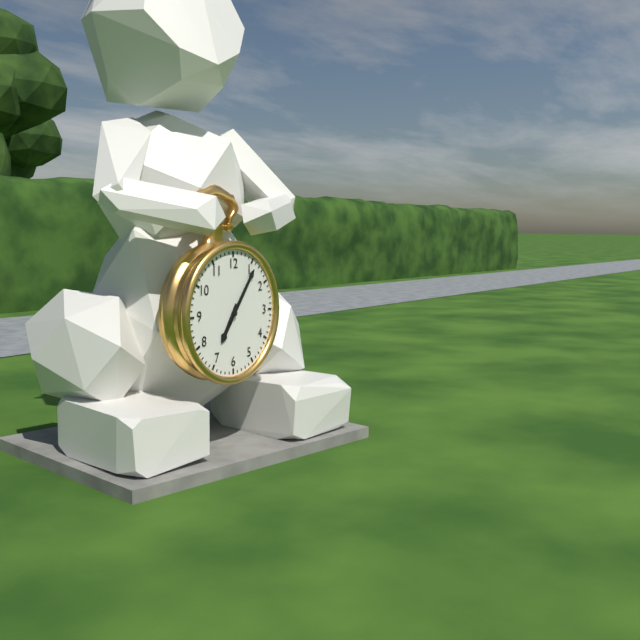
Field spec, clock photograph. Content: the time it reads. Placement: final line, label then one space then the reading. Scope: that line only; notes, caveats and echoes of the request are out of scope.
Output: 7:06
